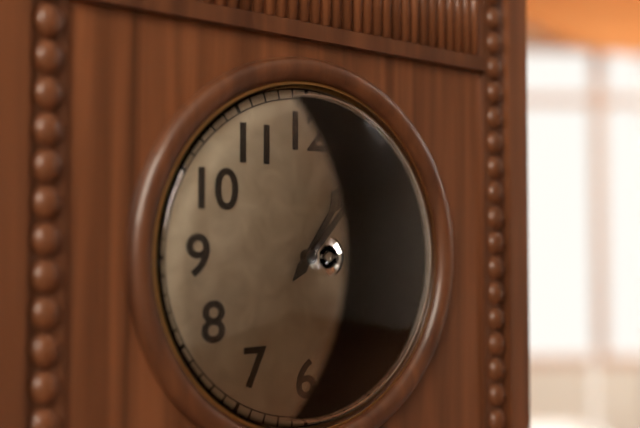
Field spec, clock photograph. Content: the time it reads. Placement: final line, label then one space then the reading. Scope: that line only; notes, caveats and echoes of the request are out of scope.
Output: 1:07
